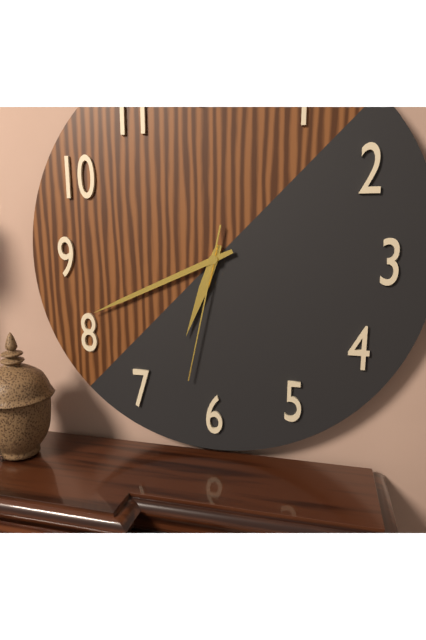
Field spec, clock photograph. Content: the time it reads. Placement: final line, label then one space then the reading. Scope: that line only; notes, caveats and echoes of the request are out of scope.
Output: 6:41:32
